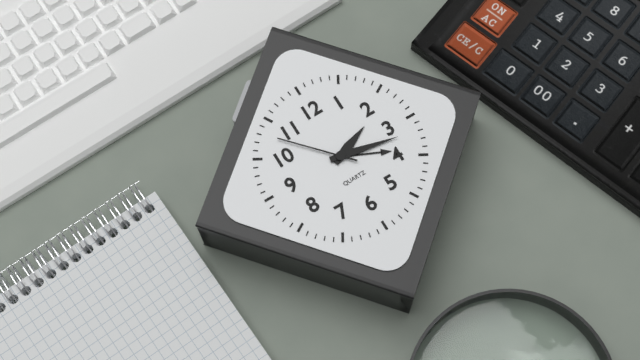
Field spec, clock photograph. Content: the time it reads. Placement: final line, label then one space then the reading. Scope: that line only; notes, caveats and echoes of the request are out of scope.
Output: 2:17:53
